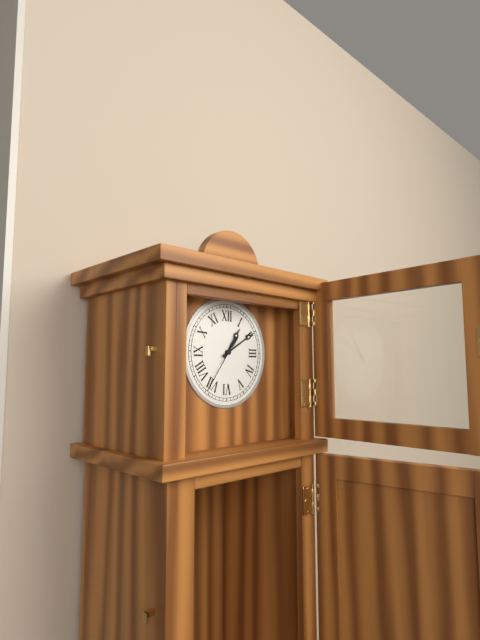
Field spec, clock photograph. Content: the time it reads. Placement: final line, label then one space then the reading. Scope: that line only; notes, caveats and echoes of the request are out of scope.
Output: 1:10:36
